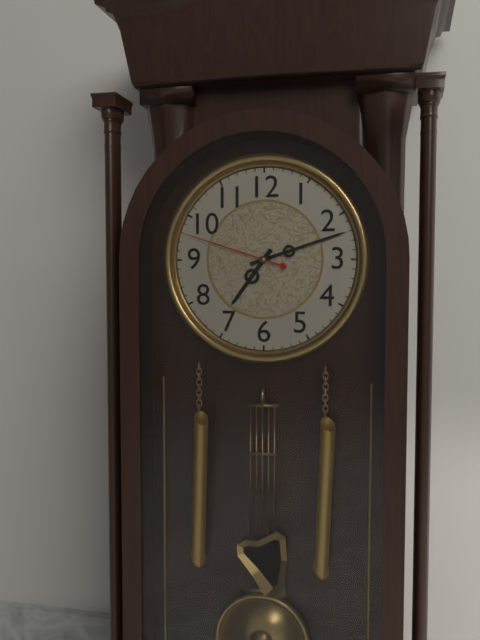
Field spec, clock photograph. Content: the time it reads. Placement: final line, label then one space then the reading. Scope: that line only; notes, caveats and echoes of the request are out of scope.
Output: 7:12:48
